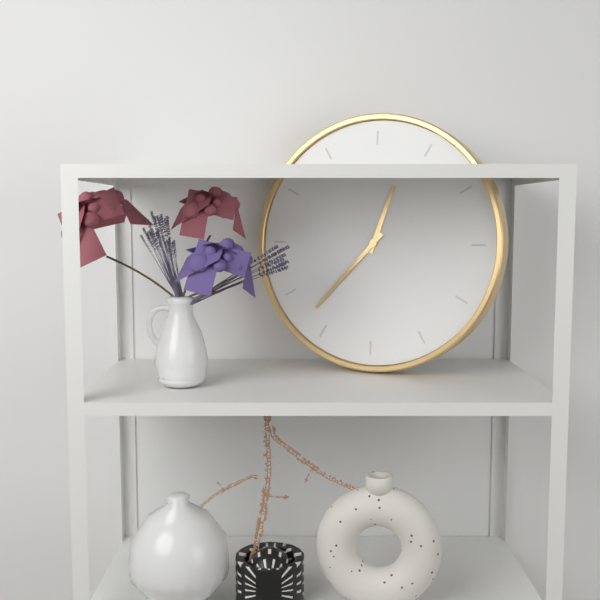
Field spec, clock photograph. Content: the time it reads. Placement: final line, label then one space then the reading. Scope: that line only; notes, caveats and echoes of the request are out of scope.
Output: 12:37
